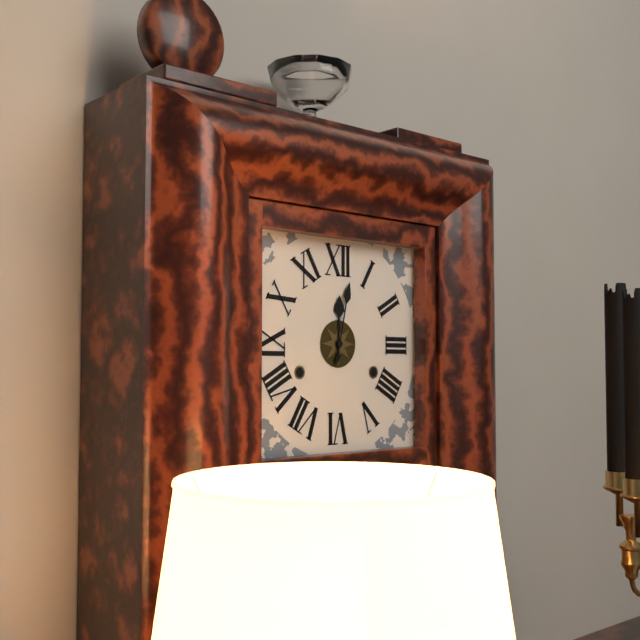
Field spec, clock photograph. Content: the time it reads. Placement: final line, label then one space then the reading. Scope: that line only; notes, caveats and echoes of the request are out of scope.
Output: 12:02
